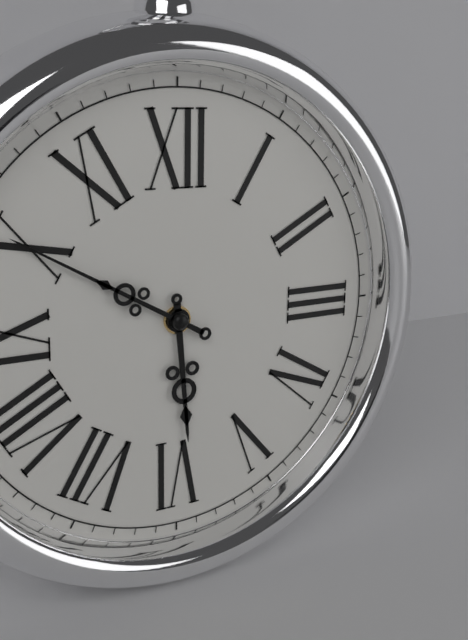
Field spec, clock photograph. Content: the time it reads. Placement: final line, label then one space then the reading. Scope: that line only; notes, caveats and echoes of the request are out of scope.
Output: 5:50
